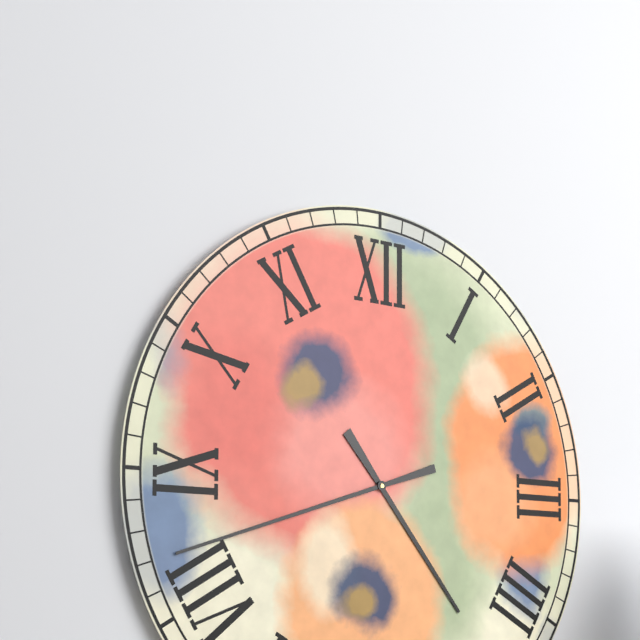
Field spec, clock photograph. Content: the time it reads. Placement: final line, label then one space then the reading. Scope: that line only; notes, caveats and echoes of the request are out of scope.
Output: 4:42
